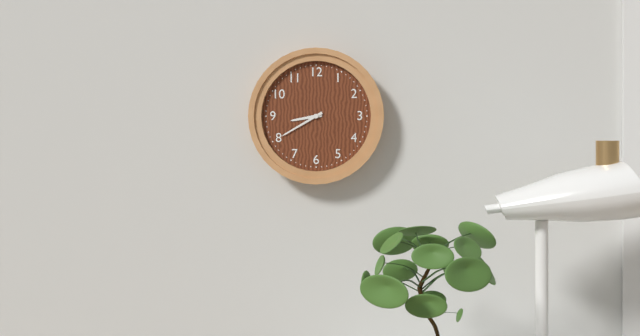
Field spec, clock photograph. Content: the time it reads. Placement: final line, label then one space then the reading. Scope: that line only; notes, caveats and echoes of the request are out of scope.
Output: 8:40
